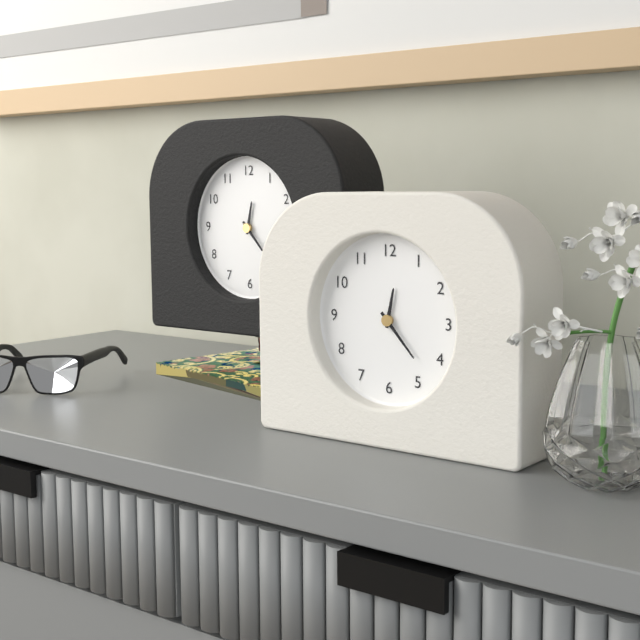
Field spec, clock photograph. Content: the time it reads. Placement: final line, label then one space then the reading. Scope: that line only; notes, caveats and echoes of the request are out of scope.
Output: 12:23
